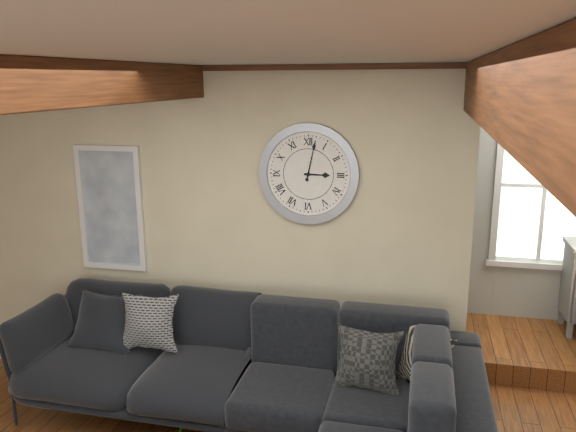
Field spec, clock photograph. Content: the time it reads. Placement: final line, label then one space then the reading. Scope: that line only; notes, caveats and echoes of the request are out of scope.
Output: 3:02
